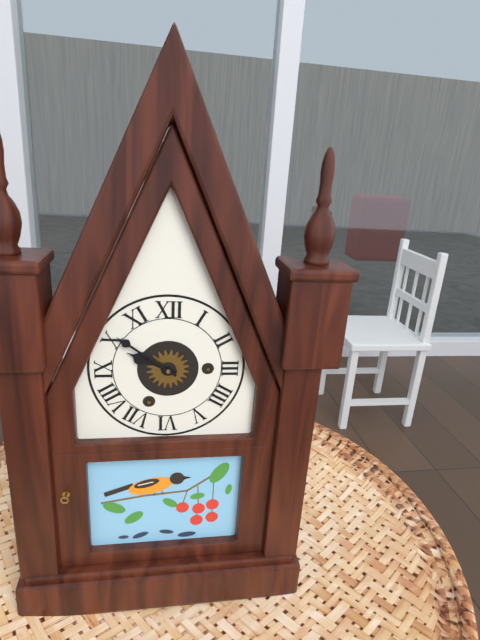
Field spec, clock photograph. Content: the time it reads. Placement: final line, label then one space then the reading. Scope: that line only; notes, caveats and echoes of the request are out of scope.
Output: 9:51
